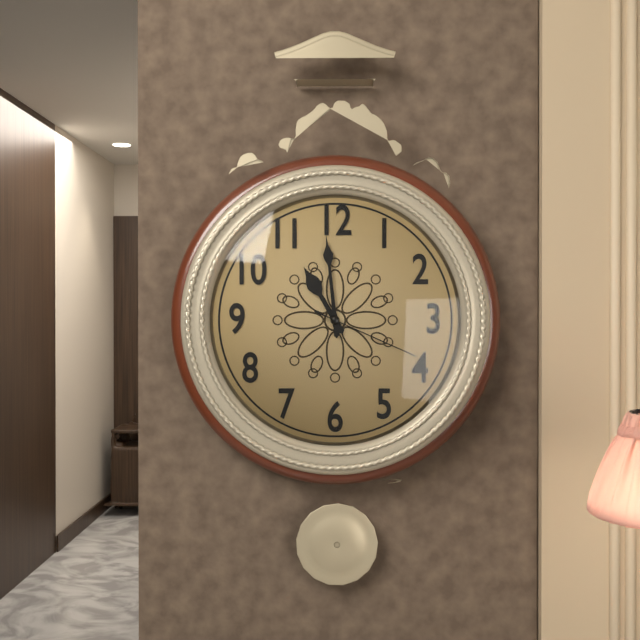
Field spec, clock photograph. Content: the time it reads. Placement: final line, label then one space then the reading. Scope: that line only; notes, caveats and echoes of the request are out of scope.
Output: 10:59:19
